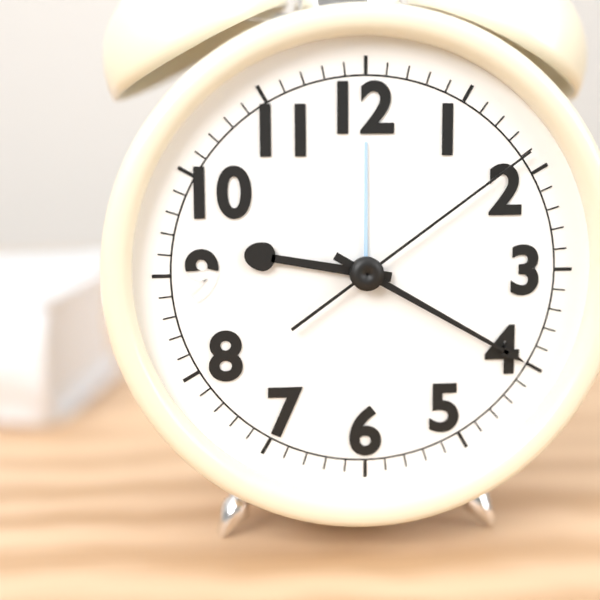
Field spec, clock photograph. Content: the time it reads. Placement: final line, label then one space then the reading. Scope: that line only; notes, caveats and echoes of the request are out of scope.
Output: 9:20:09
